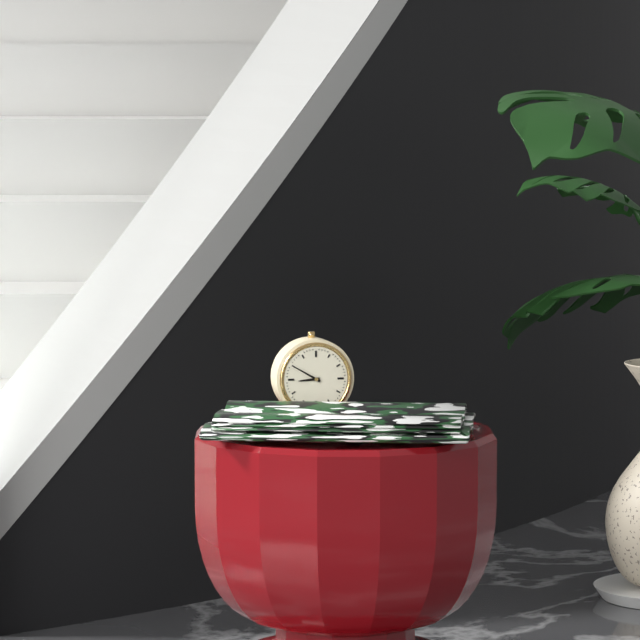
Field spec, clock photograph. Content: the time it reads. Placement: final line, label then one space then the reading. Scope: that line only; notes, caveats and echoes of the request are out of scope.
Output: 8:50
